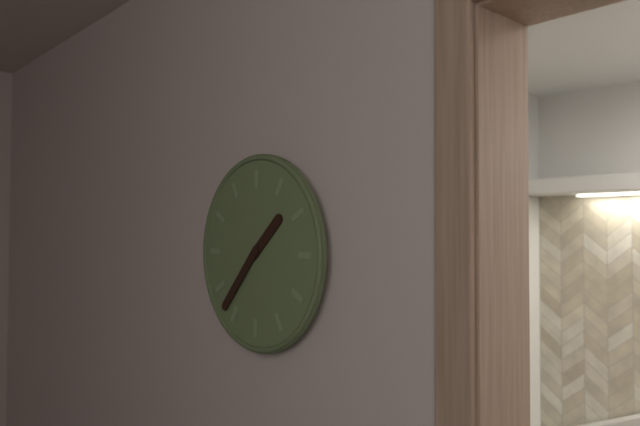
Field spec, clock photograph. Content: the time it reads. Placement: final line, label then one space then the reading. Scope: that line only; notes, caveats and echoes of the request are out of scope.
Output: 1:37
